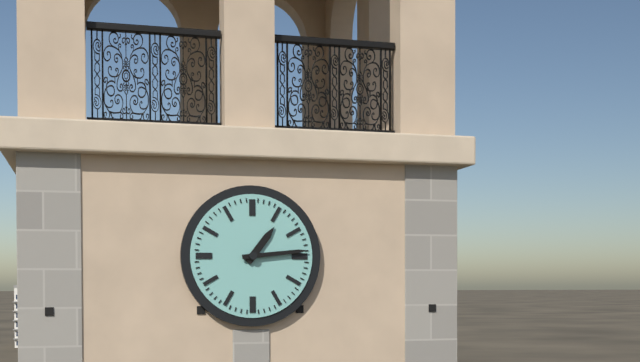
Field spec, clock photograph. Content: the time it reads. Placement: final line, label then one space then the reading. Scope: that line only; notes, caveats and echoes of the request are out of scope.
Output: 1:14
